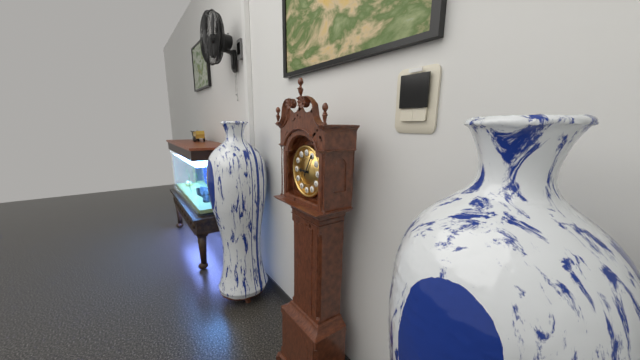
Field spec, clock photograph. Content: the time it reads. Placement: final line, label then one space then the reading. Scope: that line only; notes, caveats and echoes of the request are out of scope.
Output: 9:05
